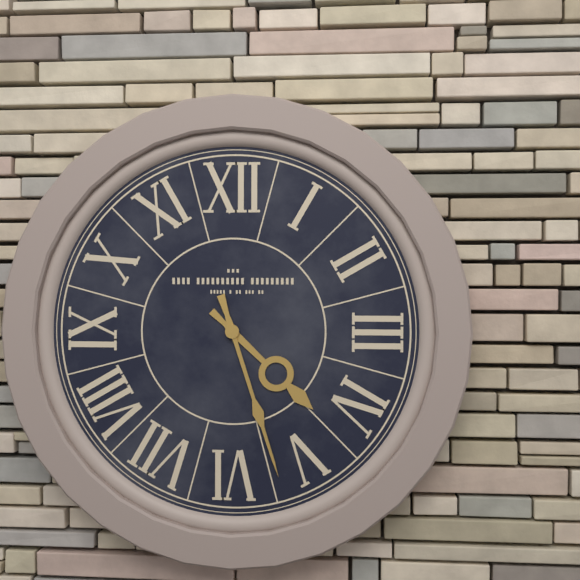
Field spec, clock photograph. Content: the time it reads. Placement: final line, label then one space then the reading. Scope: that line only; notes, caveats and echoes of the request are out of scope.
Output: 4:27
